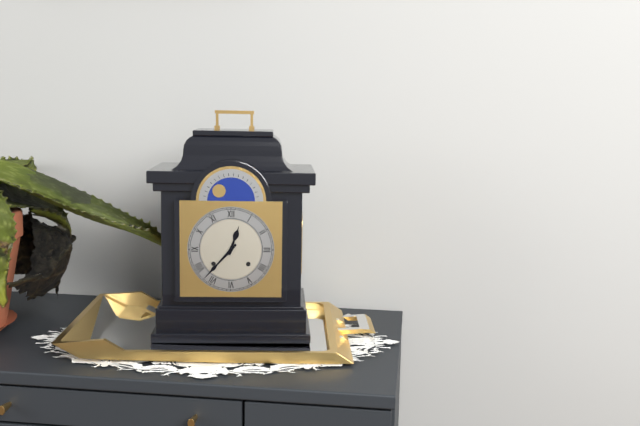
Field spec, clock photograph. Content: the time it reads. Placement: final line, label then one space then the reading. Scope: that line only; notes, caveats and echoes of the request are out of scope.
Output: 12:37
